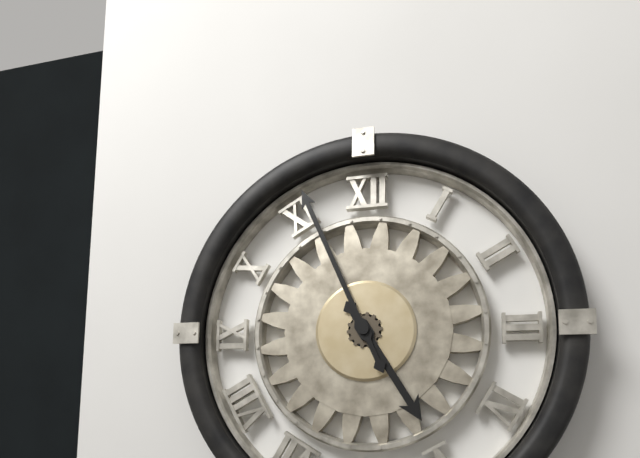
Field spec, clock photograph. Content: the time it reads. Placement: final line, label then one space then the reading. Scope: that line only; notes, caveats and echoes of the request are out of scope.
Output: 4:56
